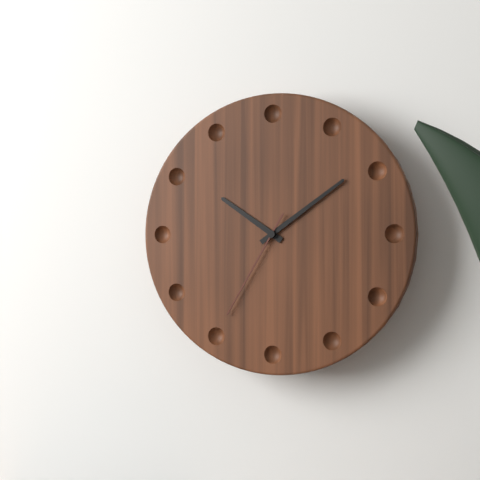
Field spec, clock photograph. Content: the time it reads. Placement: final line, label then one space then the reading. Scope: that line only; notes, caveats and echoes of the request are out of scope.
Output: 10:09:35
